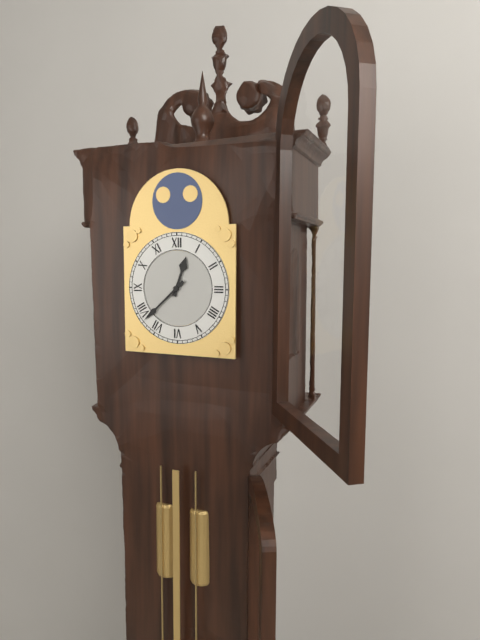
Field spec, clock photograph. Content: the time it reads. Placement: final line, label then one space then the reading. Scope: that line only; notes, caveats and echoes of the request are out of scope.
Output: 12:38
